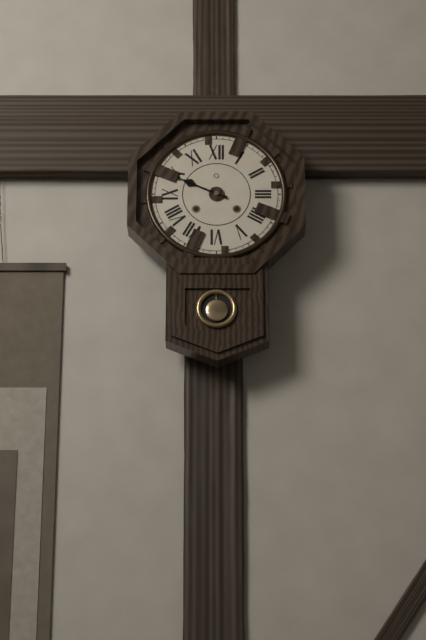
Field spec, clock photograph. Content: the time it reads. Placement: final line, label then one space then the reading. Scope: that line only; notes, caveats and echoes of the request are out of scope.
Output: 9:49
